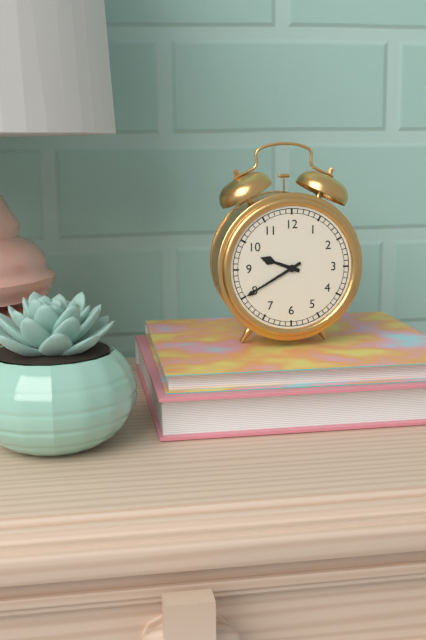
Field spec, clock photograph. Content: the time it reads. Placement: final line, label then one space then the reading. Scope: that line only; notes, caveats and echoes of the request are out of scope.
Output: 9:40
